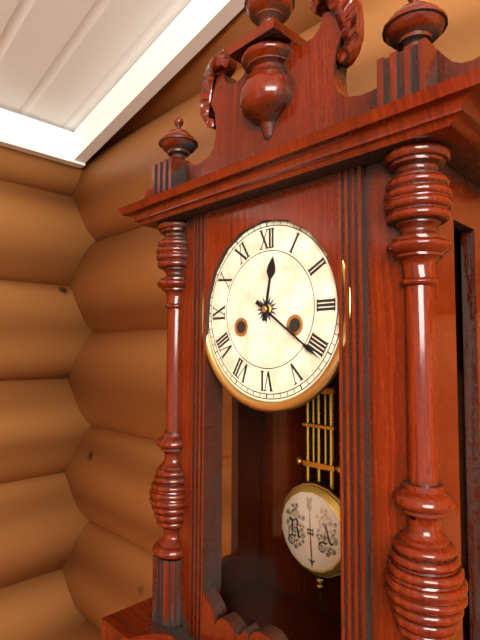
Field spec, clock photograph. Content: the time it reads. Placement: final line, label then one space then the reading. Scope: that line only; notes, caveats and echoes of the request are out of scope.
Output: 12:21
